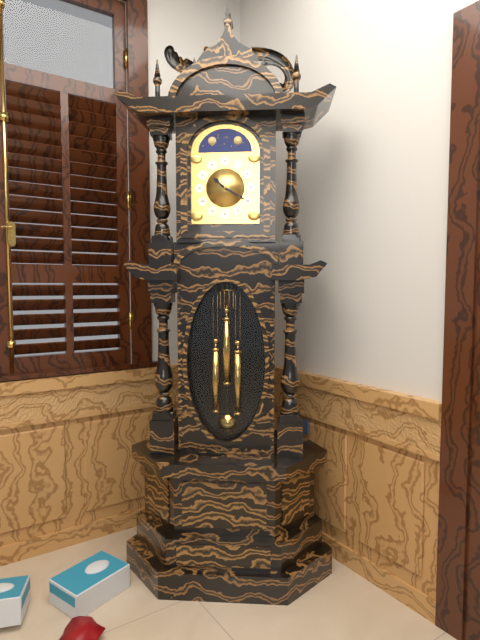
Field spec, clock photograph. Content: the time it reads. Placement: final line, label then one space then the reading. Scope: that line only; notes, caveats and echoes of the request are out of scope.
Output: 10:20
